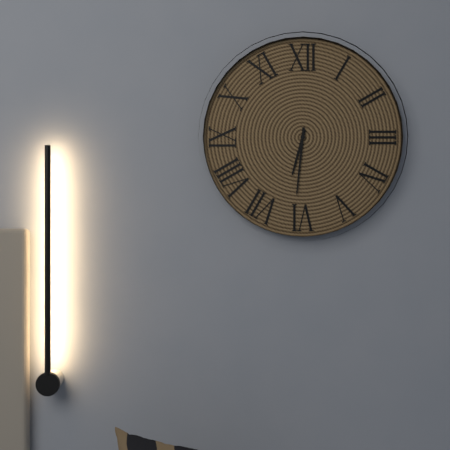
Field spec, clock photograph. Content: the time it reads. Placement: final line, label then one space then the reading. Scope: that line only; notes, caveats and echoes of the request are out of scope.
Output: 6:31
